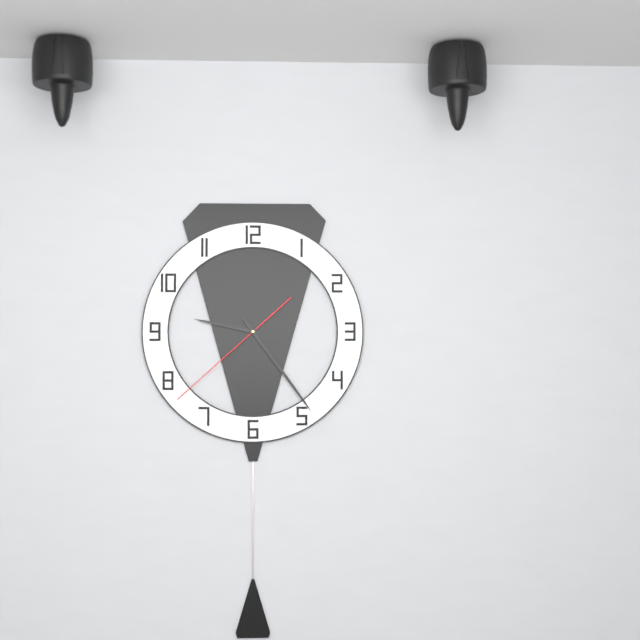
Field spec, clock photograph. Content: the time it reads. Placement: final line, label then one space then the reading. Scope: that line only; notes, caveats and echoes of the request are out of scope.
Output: 9:24:38
